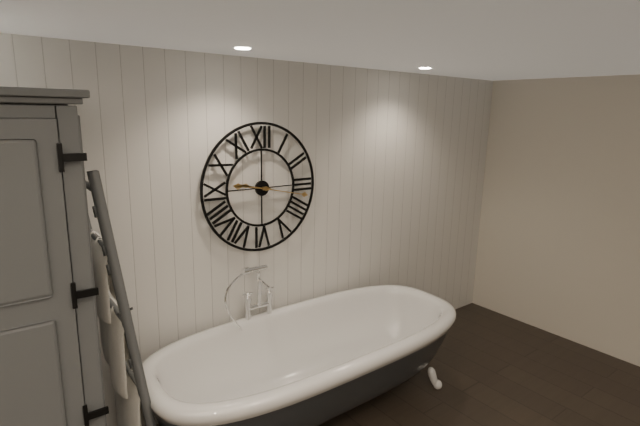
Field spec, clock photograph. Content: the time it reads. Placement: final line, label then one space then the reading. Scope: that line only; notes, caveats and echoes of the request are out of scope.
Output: 9:17
